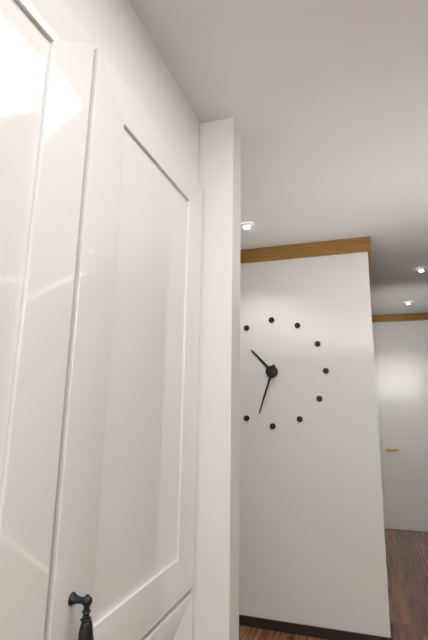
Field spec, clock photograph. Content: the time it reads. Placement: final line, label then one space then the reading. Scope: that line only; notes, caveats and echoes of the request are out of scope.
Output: 10:33
